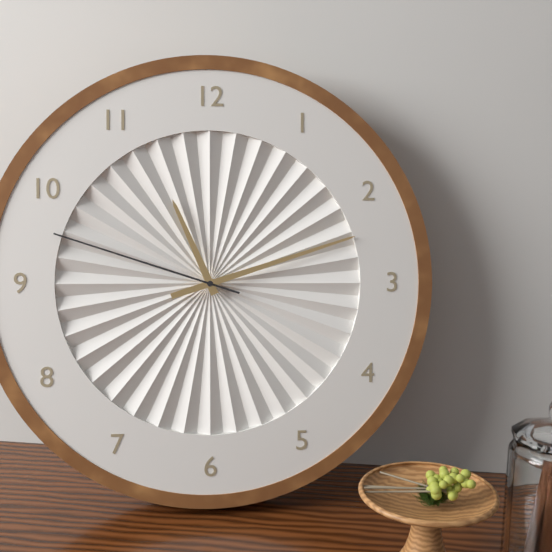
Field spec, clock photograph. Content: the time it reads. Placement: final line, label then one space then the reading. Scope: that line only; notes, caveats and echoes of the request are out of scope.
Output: 11:12:48
